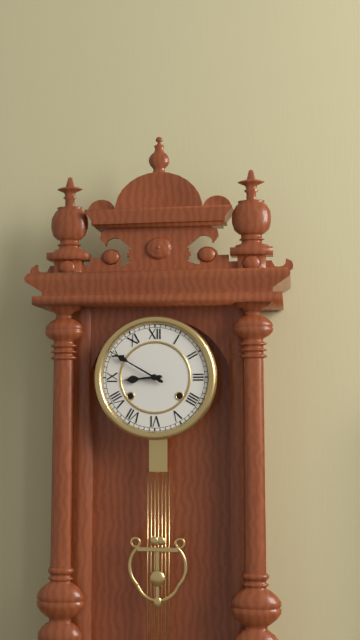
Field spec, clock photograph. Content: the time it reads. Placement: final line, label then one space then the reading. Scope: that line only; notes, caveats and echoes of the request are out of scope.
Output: 8:50
